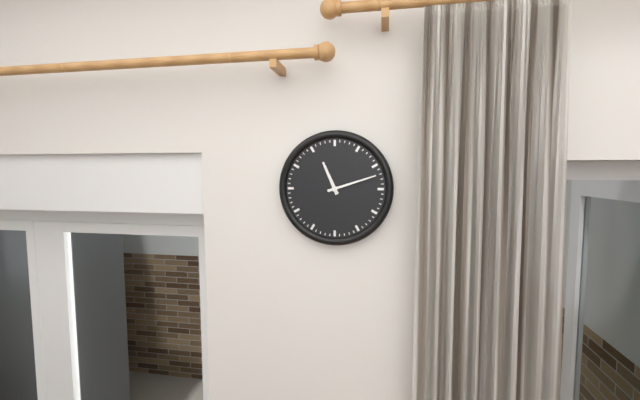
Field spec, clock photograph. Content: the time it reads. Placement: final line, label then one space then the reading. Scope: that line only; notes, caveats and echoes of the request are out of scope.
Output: 11:12
